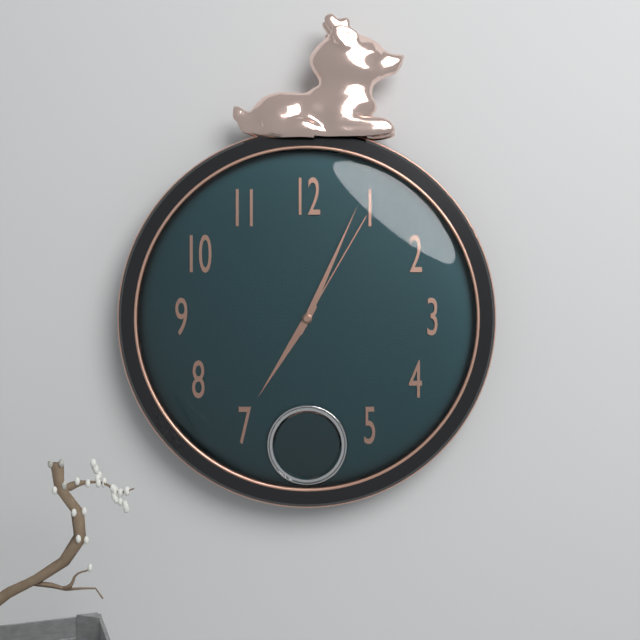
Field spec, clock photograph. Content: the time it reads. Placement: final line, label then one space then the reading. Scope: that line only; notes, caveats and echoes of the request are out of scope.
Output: 7:04:05
